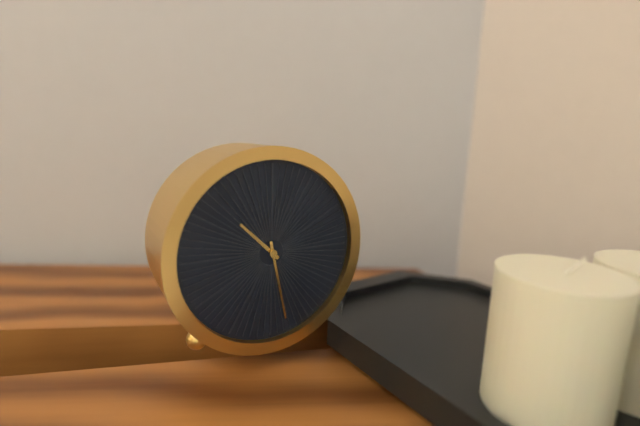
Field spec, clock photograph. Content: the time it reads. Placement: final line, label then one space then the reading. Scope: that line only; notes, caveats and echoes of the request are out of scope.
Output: 10:28
